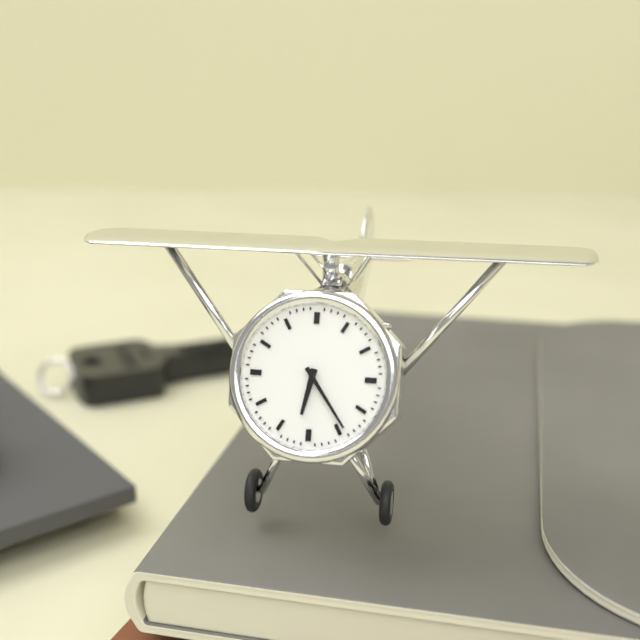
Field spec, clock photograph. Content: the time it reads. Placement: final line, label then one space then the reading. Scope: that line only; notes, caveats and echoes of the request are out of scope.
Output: 6:24
